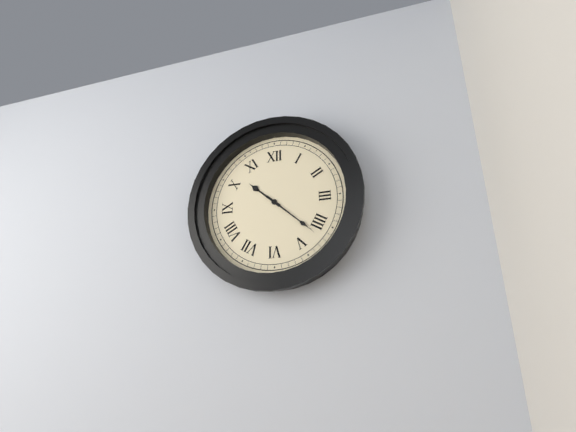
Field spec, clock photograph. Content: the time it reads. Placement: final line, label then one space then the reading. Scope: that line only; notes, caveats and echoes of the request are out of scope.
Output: 10:22
